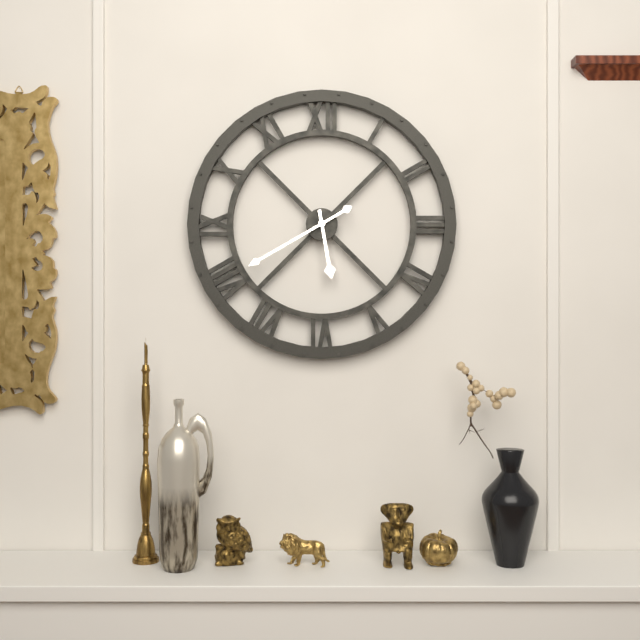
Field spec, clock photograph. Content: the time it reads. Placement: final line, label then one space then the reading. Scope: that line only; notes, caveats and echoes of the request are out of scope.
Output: 5:40
